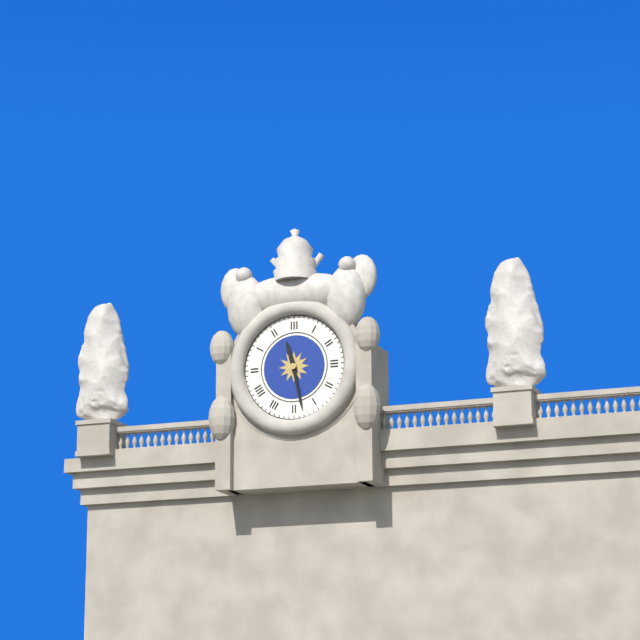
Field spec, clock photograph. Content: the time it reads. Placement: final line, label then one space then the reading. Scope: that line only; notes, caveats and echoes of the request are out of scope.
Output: 11:28
